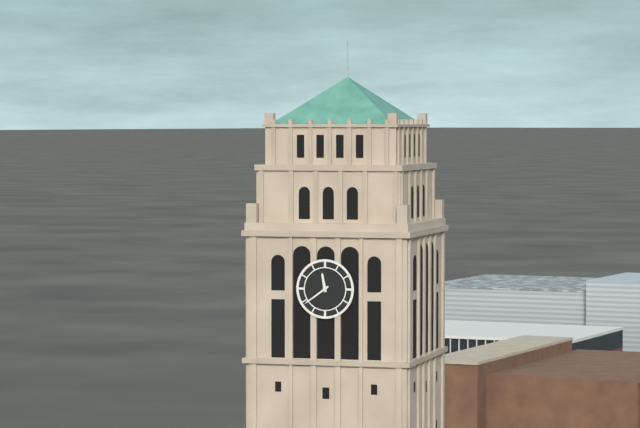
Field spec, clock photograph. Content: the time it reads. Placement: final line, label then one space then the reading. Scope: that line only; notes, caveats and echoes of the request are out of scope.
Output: 11:39
